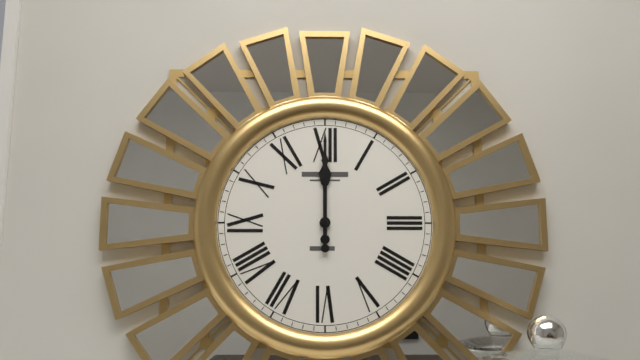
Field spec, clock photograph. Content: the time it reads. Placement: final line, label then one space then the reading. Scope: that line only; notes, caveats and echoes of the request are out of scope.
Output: 12:00
